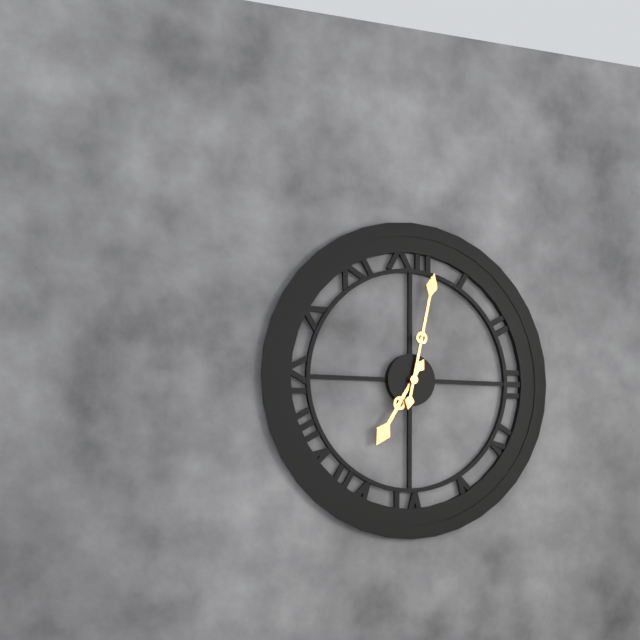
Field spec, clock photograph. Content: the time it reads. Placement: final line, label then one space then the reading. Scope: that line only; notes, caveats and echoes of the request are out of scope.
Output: 7:02
